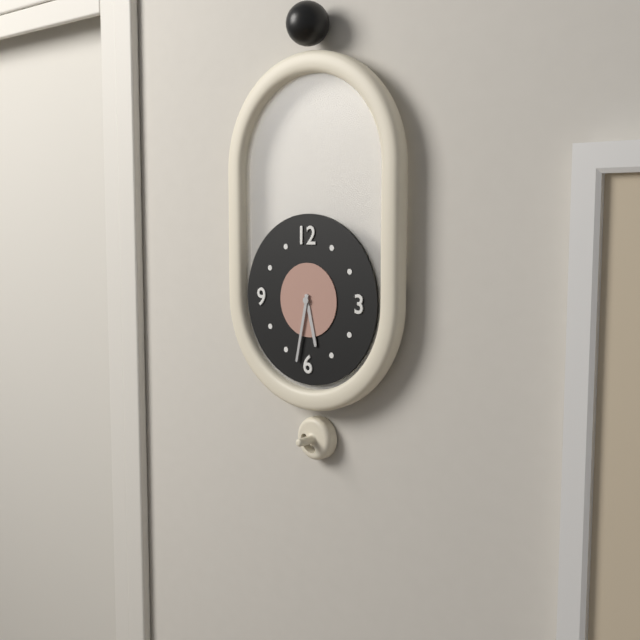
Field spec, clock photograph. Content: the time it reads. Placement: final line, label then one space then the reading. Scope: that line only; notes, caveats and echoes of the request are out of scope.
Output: 5:32
